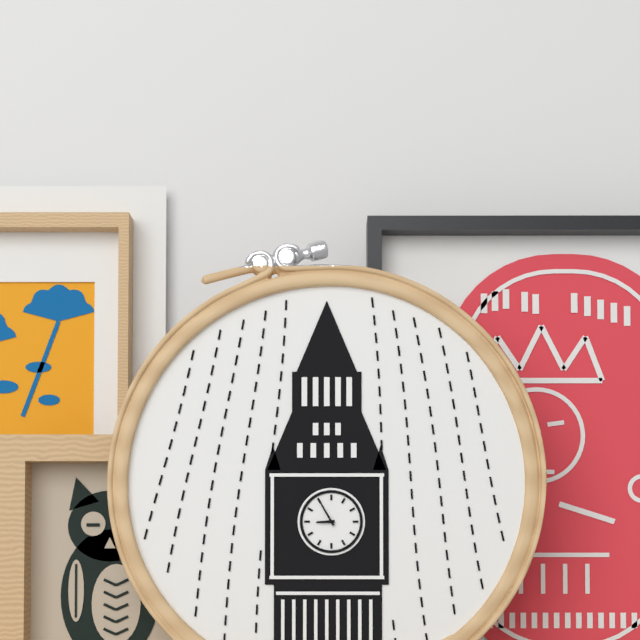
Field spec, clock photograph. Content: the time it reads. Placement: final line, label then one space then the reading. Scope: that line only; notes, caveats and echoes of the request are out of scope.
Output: 8:55
